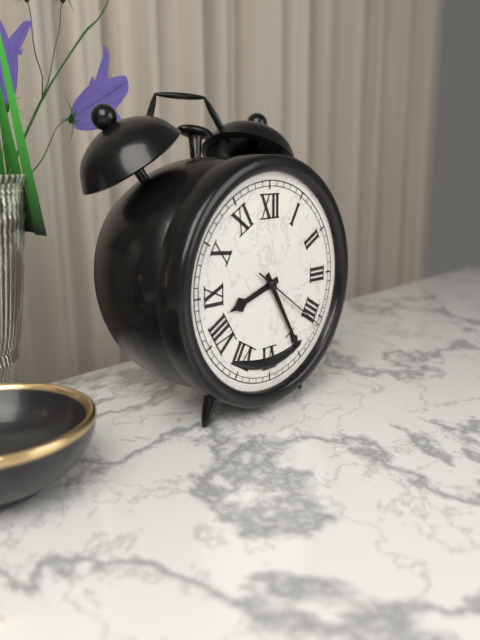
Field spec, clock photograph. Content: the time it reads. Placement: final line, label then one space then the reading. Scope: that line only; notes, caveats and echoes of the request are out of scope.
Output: 8:25:21
